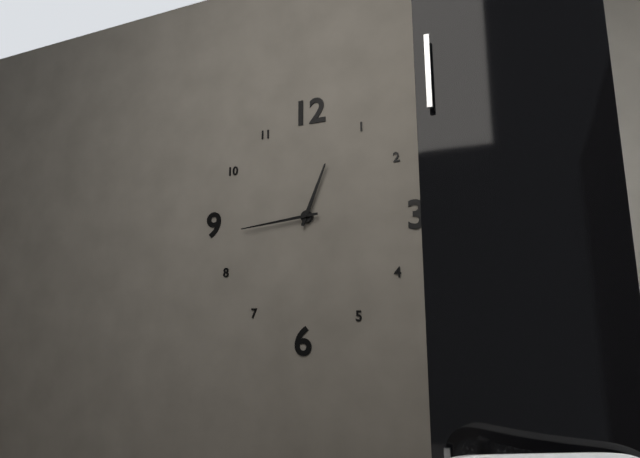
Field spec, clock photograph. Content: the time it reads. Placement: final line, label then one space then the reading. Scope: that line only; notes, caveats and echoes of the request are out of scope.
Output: 12:44
